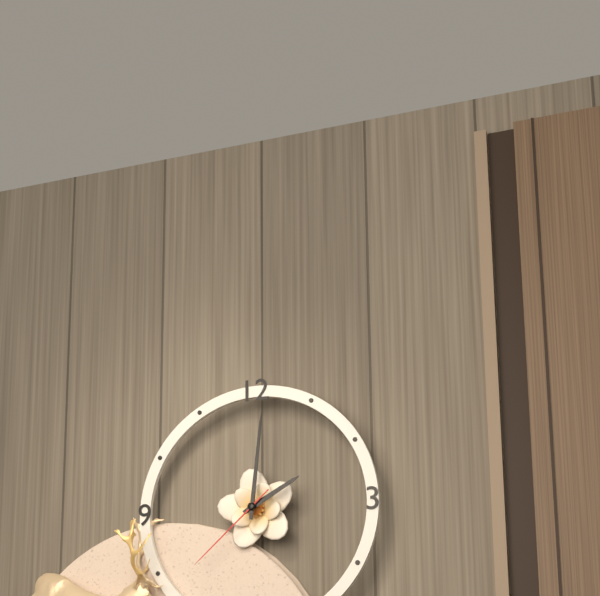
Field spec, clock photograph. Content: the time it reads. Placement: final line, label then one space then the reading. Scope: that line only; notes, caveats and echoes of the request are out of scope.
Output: 2:01:38
